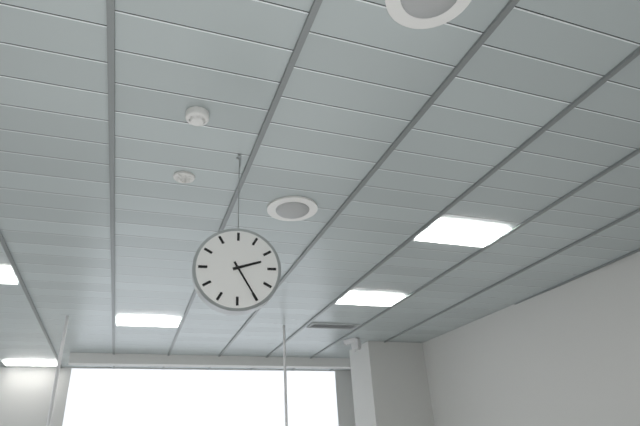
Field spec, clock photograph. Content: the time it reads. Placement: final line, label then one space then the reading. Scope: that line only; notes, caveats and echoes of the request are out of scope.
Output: 2:25
